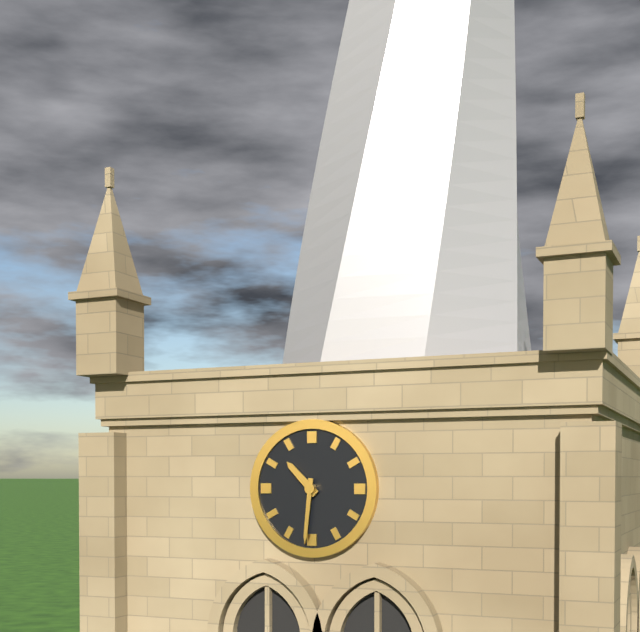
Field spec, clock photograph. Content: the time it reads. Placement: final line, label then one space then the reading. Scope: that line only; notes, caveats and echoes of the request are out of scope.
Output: 10:31
